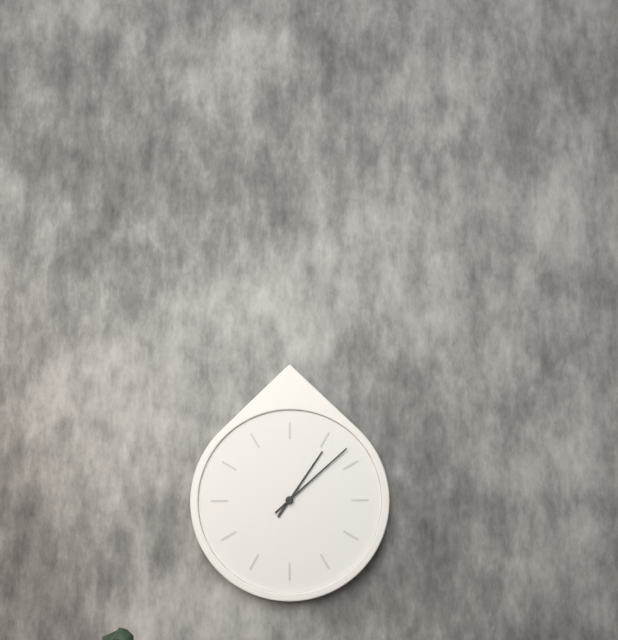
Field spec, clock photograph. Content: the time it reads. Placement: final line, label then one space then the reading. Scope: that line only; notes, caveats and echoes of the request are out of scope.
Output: 1:08
